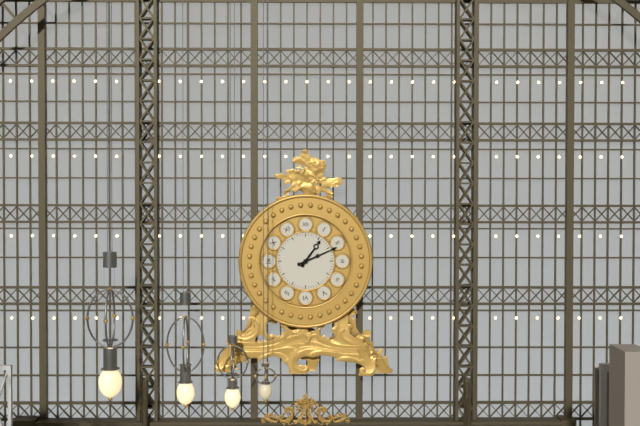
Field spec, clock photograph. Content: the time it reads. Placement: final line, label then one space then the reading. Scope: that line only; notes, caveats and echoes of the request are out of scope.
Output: 1:11
